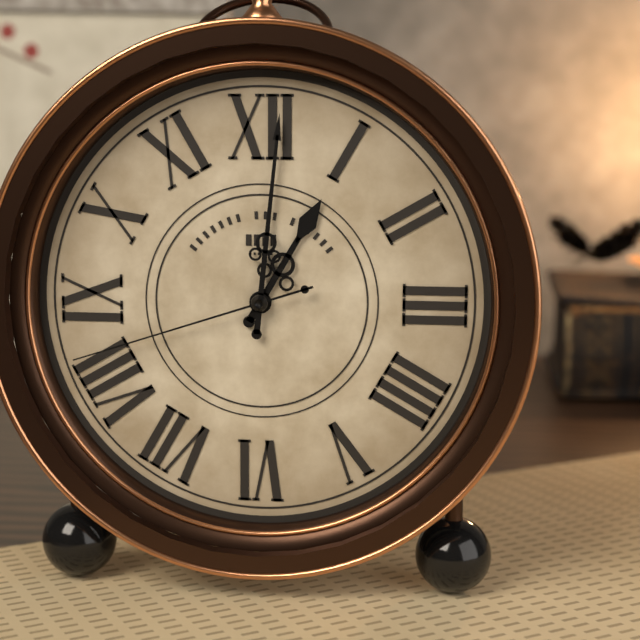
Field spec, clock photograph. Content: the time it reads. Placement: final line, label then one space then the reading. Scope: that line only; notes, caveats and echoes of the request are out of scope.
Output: 1:01:42
